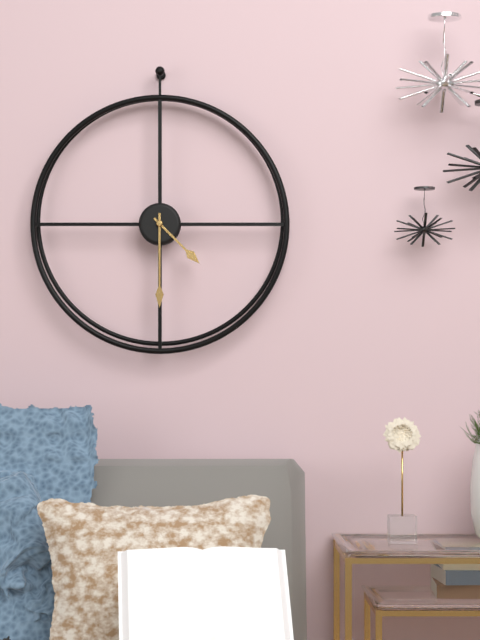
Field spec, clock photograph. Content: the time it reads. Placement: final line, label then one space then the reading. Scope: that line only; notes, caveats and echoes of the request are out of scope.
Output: 4:30
